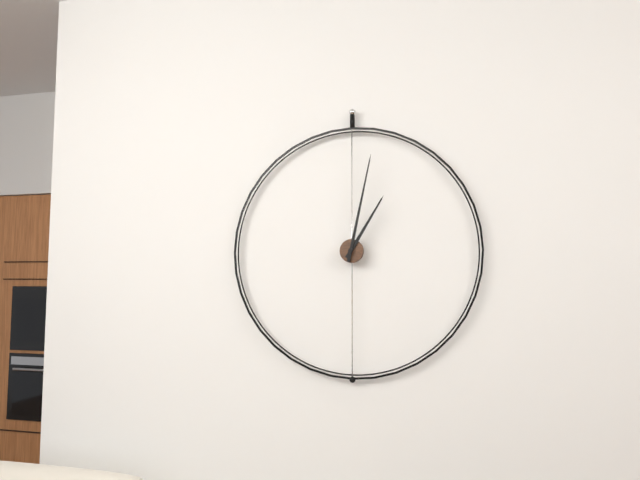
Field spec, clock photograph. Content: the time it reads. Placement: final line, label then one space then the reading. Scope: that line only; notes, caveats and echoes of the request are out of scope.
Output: 1:02
